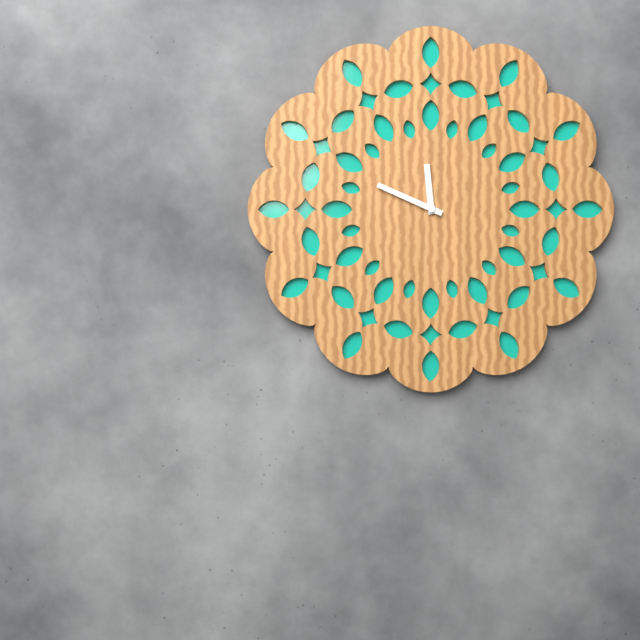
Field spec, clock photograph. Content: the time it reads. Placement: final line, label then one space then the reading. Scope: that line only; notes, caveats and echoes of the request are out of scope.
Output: 11:49
